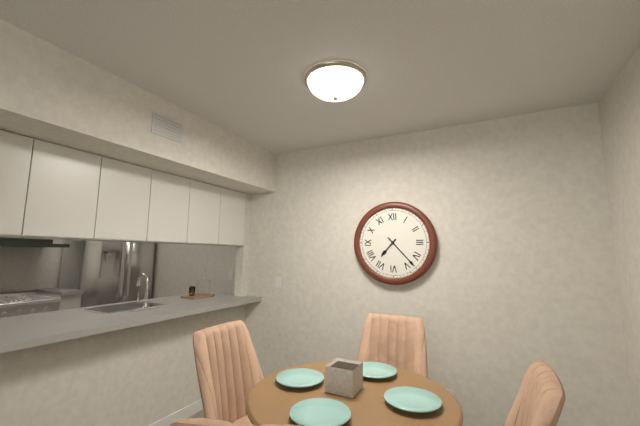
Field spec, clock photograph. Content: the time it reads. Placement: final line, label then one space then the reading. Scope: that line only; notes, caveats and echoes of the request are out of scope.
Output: 7:23
